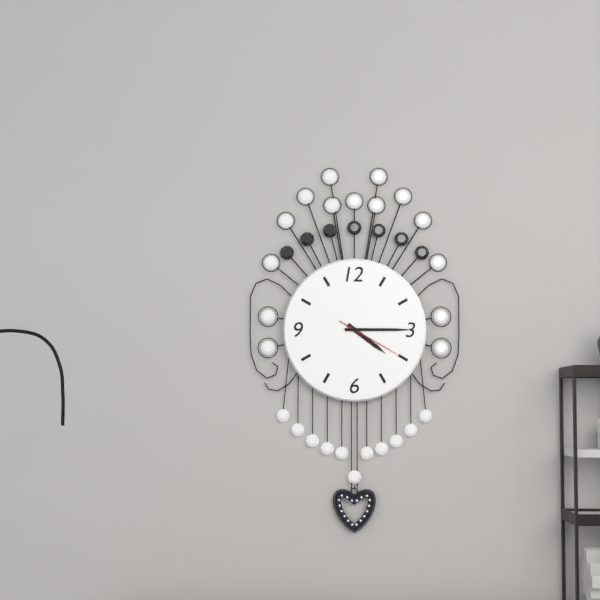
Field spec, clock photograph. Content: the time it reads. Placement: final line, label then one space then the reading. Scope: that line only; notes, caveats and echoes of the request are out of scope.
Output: 4:15:20
